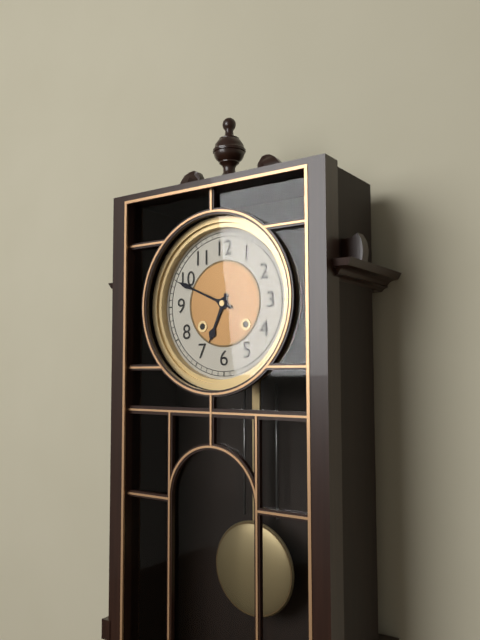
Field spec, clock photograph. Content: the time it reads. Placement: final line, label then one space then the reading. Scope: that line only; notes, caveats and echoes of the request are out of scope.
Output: 6:49
